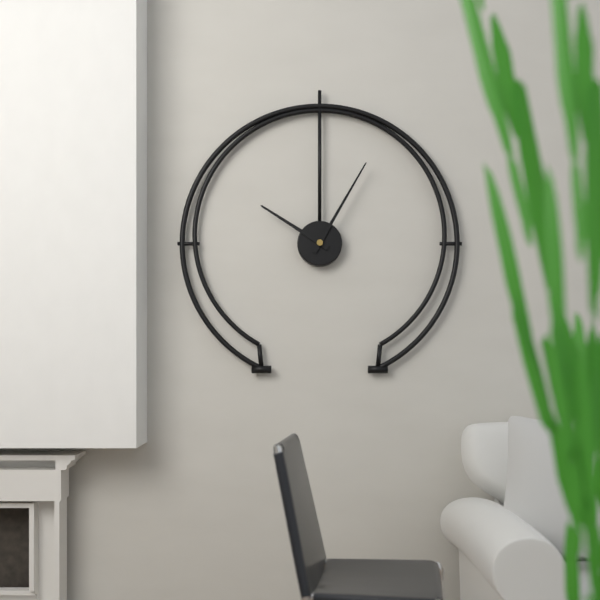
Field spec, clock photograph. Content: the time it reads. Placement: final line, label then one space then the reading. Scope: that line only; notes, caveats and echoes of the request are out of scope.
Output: 10:05
